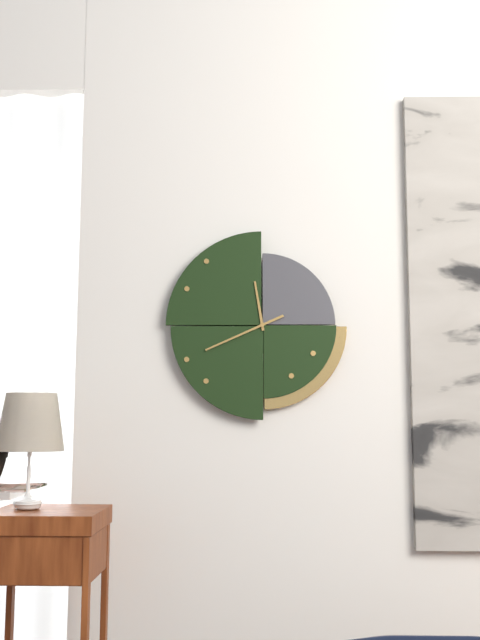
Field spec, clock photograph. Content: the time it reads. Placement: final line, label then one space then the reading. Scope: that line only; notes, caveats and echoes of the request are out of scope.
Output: 11:41
